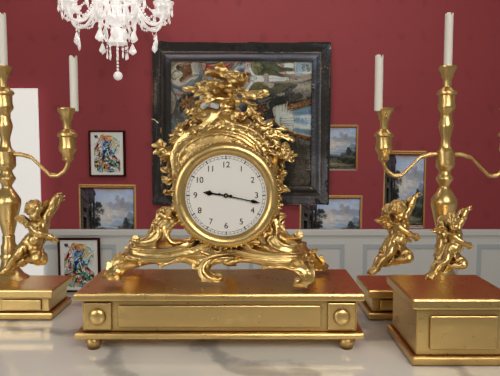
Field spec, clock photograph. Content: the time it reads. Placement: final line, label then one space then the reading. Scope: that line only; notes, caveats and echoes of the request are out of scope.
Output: 9:17
